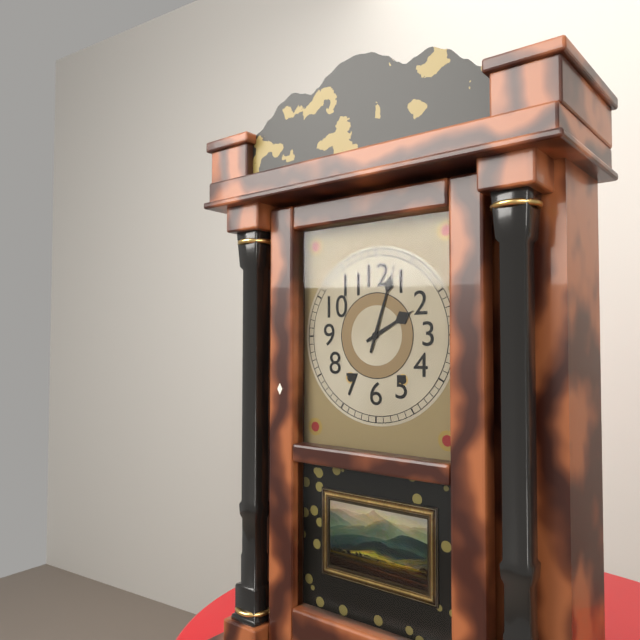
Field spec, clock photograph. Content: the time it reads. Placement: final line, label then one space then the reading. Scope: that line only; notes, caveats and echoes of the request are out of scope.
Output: 2:03
